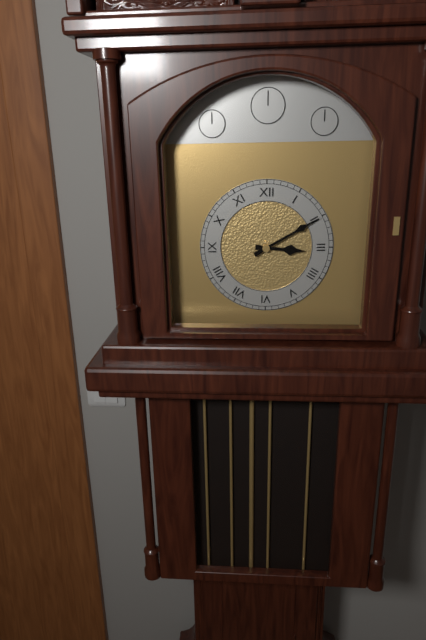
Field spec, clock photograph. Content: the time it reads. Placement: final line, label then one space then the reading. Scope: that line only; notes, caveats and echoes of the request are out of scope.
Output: 3:10
